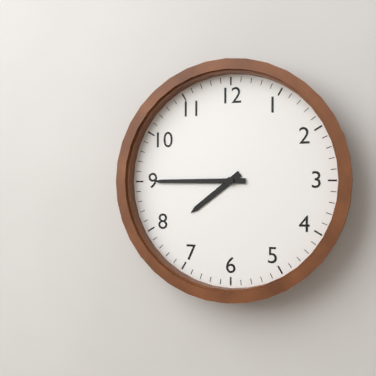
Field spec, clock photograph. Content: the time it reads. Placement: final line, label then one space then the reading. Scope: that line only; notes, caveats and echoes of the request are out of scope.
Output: 7:45
